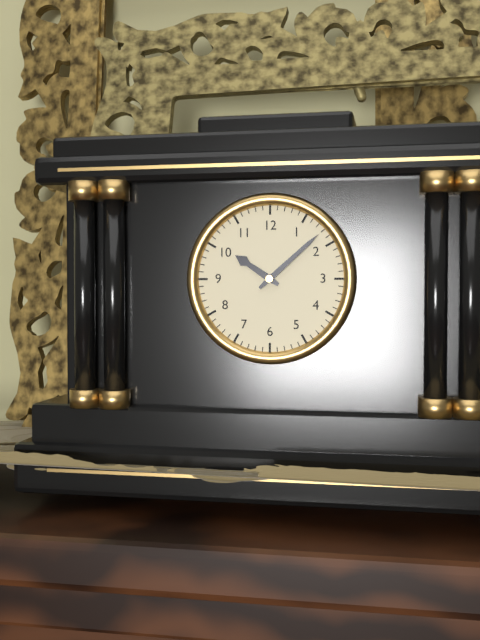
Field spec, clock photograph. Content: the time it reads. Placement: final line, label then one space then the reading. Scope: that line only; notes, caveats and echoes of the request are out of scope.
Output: 10:08
